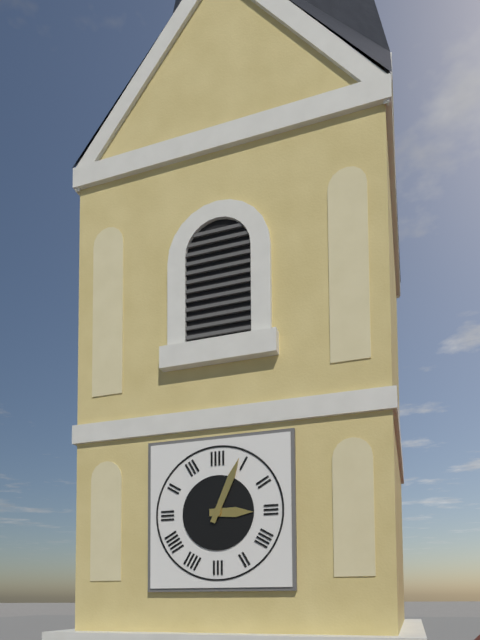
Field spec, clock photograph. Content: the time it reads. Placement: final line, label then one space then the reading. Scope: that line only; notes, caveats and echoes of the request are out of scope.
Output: 3:04
